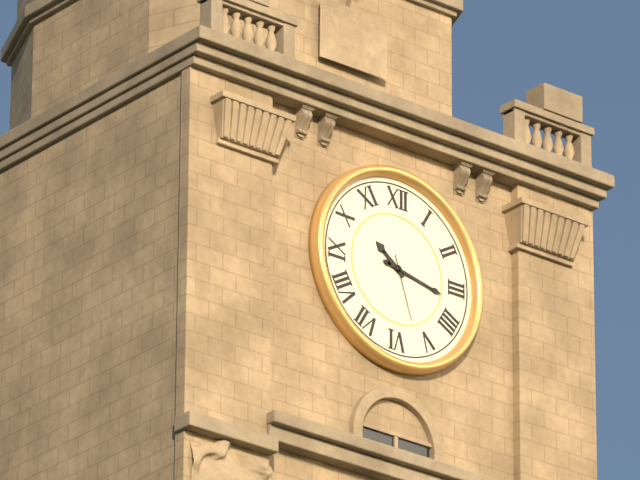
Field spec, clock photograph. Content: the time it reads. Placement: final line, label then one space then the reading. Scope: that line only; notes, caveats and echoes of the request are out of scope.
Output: 10:17:27
